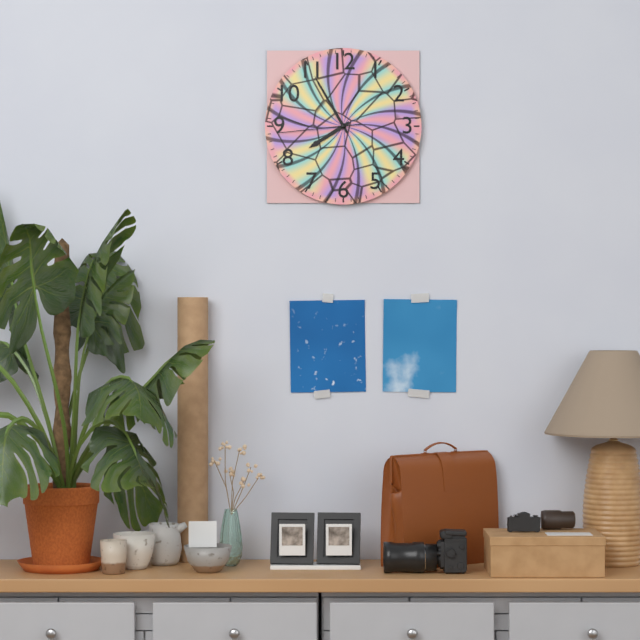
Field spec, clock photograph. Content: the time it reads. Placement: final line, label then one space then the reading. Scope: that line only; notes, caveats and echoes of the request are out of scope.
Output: 7:55:44
